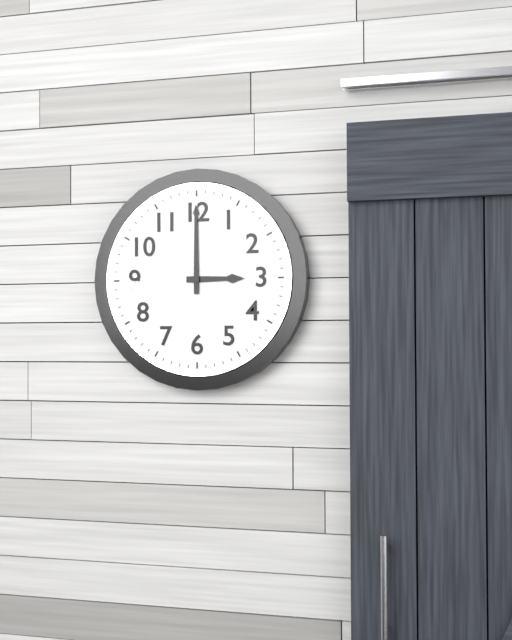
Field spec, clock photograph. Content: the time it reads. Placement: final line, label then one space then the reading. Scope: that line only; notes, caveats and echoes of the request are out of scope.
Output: 3:00
